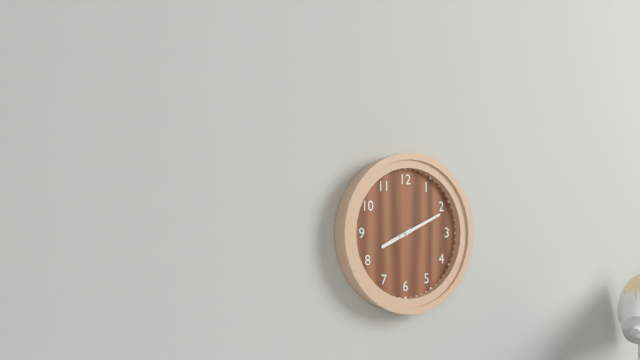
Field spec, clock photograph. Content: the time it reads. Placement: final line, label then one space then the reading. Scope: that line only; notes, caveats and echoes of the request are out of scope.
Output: 8:11
